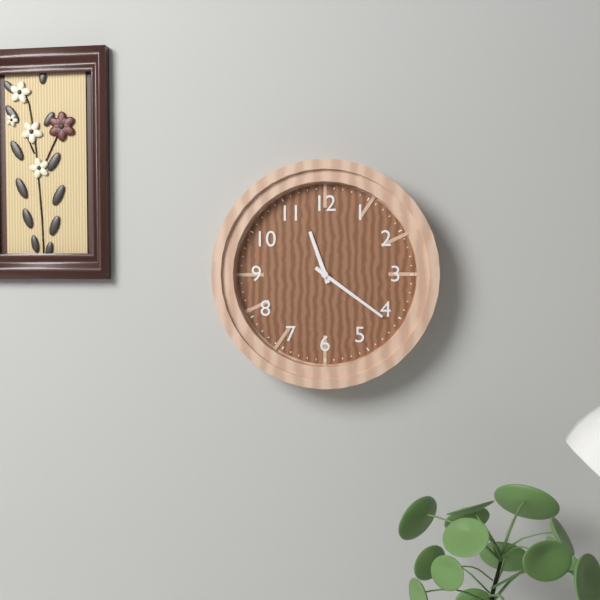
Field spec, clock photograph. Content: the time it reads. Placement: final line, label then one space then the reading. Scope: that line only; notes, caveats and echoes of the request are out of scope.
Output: 11:21
